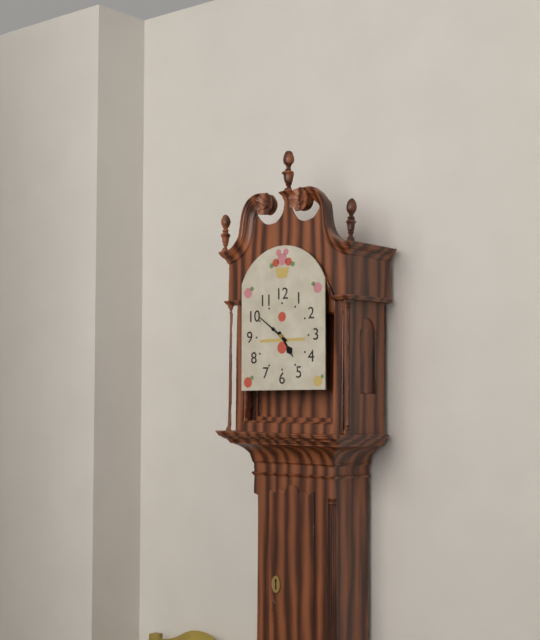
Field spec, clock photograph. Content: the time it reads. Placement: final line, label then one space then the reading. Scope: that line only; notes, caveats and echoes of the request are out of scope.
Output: 4:51
